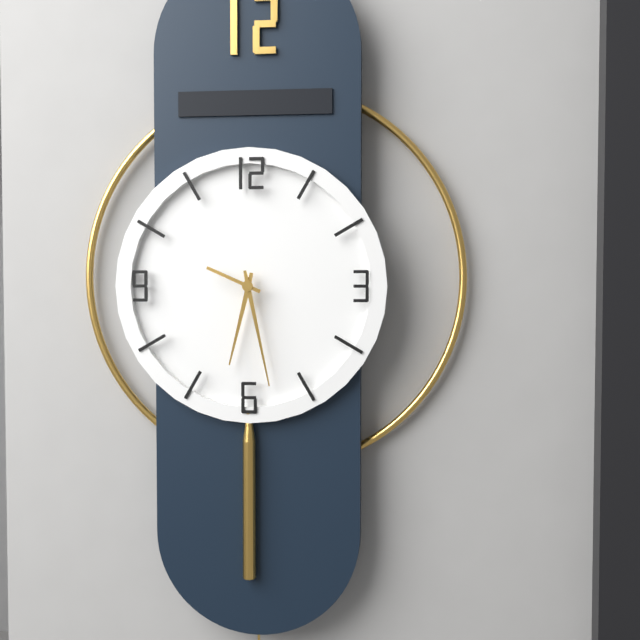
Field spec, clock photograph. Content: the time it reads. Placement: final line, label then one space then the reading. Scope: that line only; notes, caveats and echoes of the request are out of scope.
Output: 6:28:49
